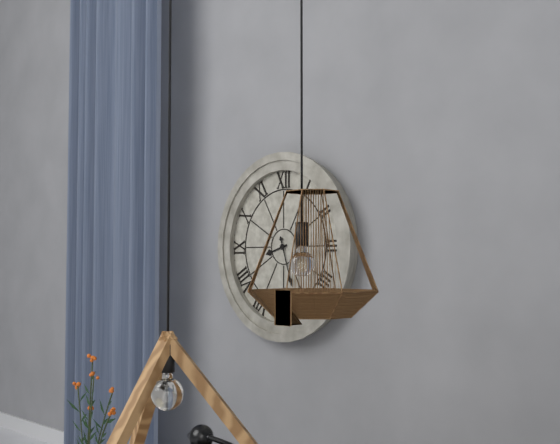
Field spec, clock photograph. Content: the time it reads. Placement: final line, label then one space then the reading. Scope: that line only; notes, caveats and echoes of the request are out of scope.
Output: 8:27
